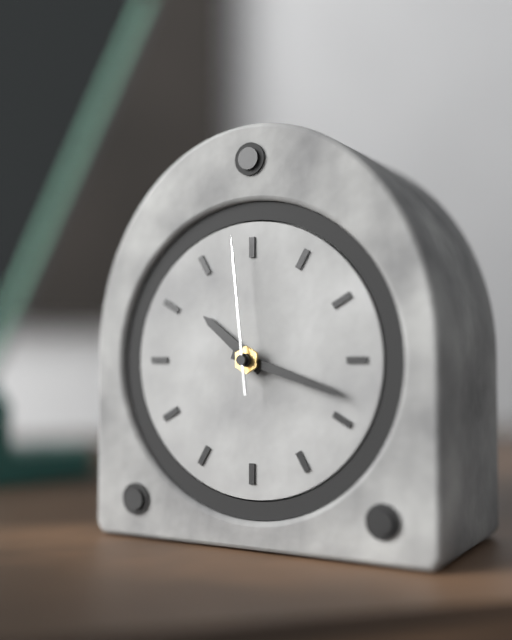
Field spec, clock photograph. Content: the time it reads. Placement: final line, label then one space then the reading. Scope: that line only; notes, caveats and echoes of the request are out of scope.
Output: 10:18:59
